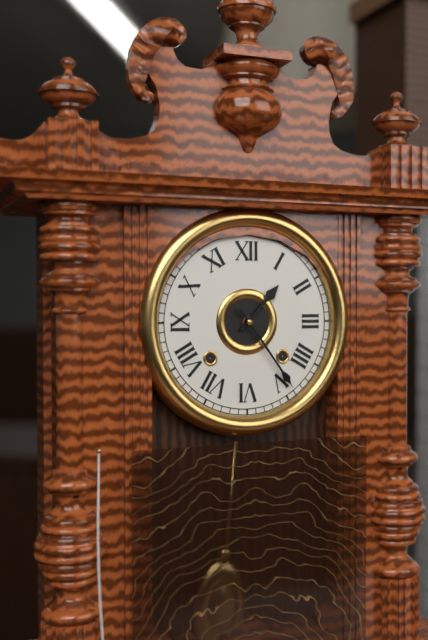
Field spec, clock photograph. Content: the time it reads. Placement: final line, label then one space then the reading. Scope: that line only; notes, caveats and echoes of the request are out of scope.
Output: 1:24
